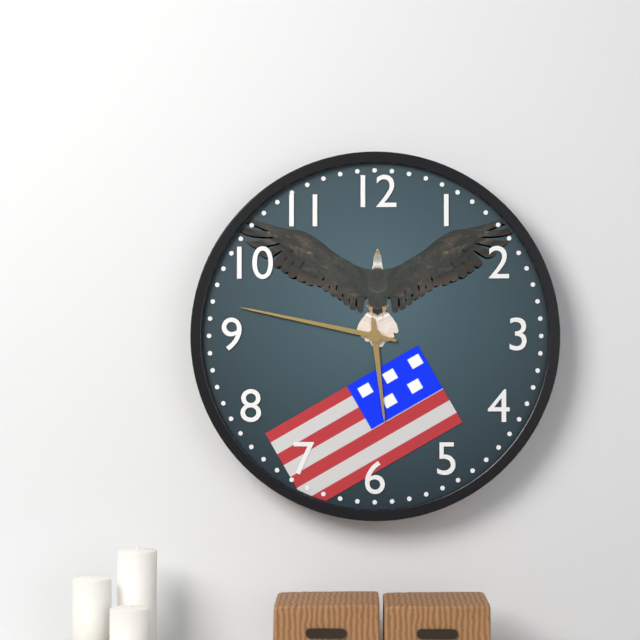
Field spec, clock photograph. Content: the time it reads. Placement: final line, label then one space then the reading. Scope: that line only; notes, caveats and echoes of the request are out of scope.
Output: 5:47
